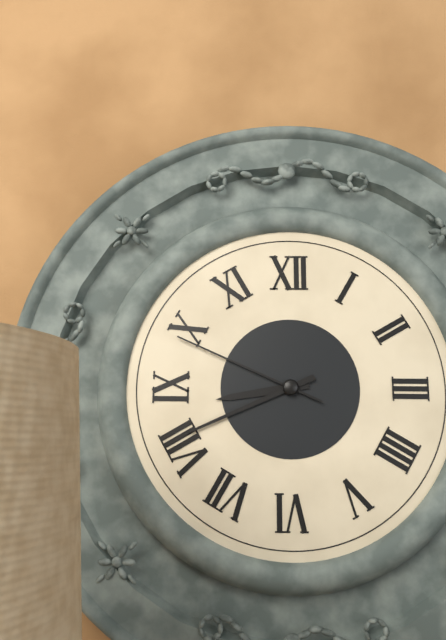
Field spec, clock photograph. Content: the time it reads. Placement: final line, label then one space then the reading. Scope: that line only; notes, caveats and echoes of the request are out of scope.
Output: 8:41:49
